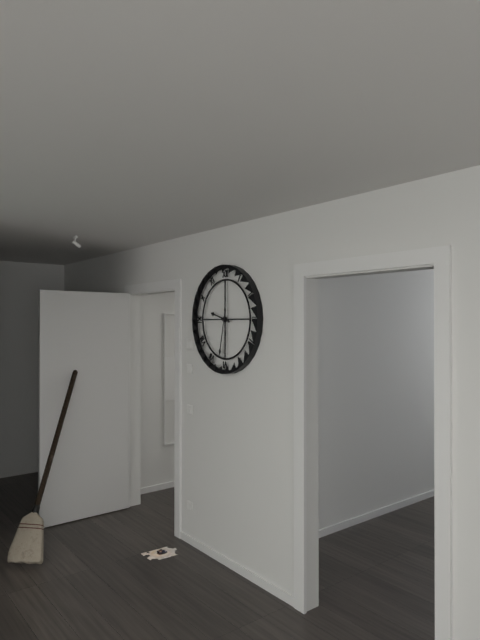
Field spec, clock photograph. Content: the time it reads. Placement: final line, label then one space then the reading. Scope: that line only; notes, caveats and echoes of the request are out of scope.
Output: 9:32
